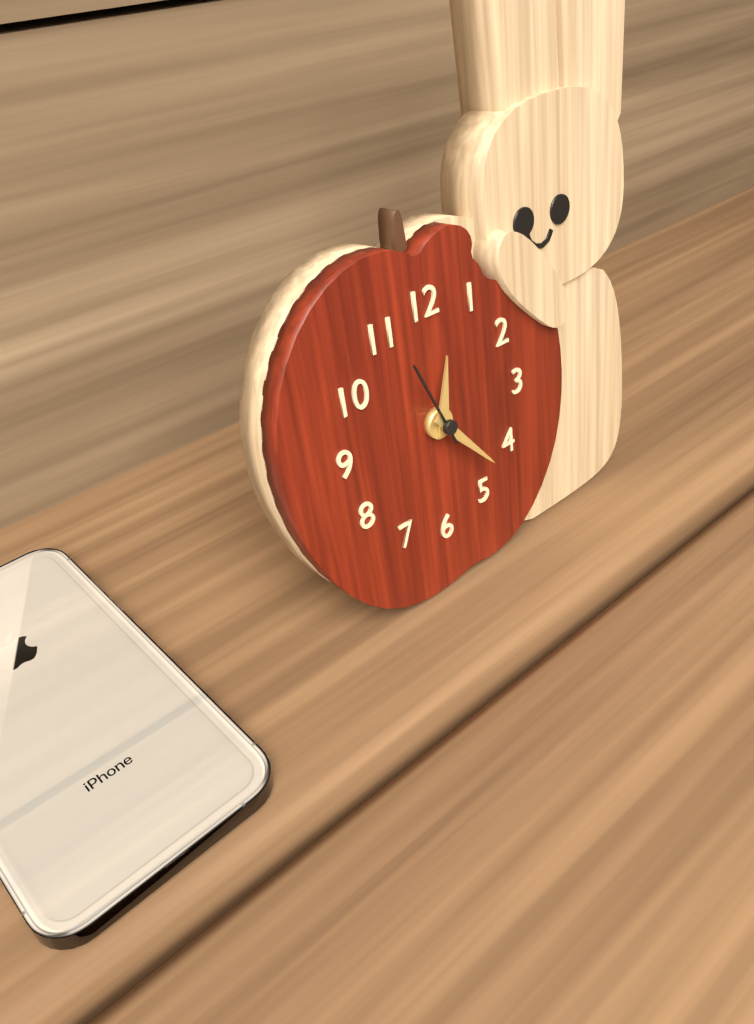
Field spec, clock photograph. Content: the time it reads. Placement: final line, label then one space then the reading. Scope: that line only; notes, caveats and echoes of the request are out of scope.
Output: 12:23:56
